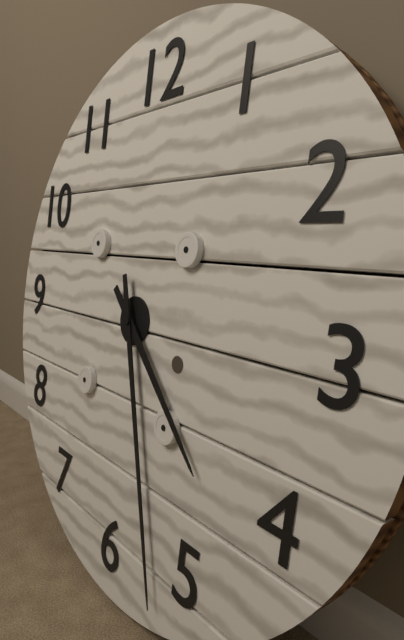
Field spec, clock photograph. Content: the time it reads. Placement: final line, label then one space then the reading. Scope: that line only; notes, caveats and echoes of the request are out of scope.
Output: 4:27
